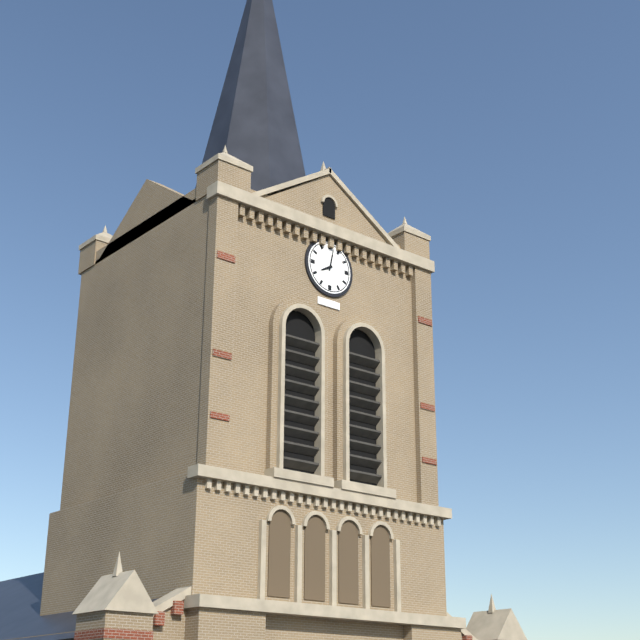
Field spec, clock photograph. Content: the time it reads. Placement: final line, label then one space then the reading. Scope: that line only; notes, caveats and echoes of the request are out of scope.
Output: 8:02
